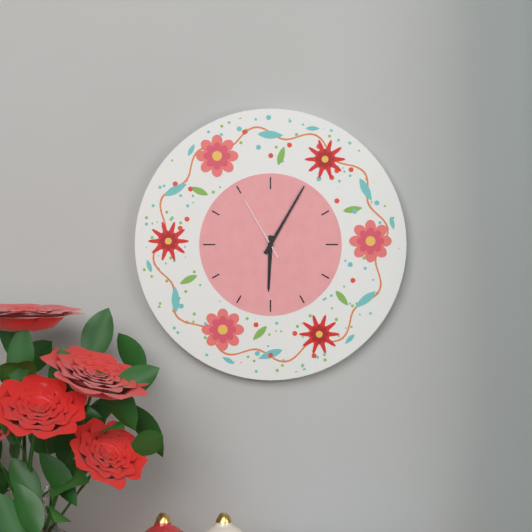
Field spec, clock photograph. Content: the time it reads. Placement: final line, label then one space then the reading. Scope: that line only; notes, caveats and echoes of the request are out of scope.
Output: 6:05:55
